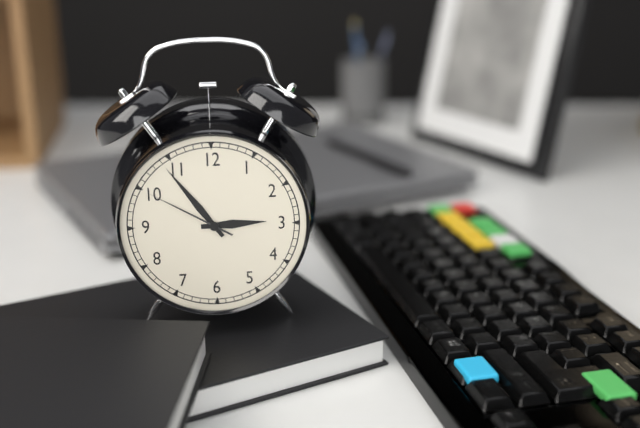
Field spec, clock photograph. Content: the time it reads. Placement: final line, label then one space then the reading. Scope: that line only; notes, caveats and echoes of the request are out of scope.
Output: 2:54:50
